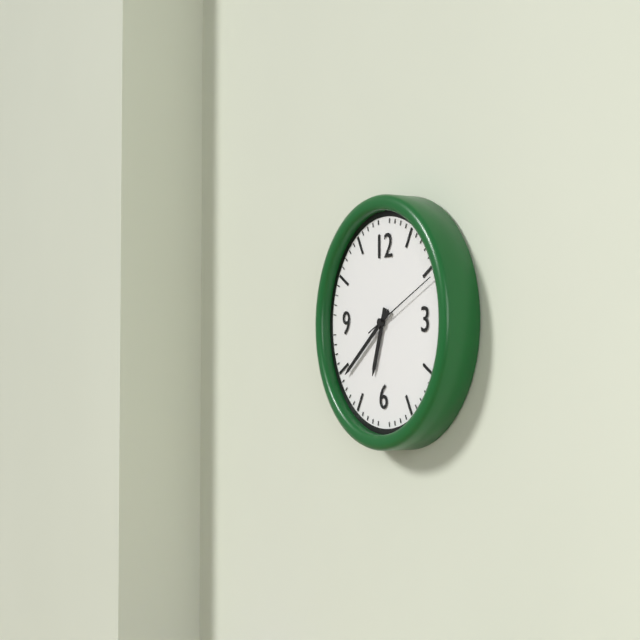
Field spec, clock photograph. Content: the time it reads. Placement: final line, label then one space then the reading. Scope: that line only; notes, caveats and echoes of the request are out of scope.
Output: 6:39:11
